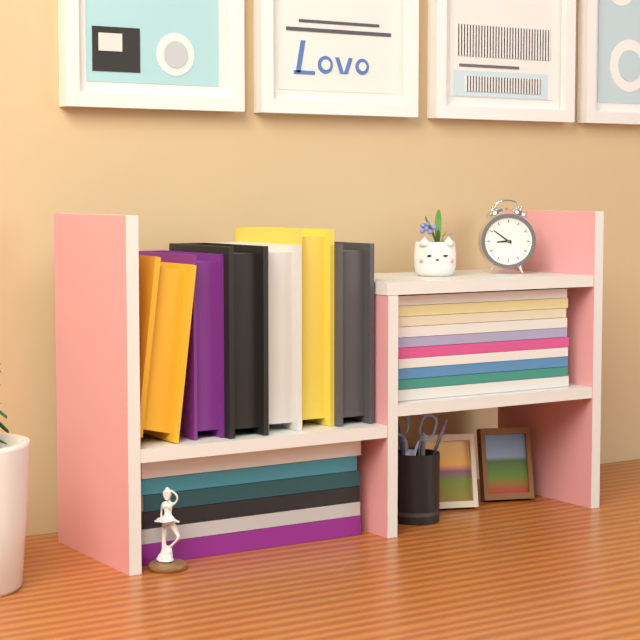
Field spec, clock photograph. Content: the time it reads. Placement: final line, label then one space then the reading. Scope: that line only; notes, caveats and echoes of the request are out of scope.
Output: 8:51
